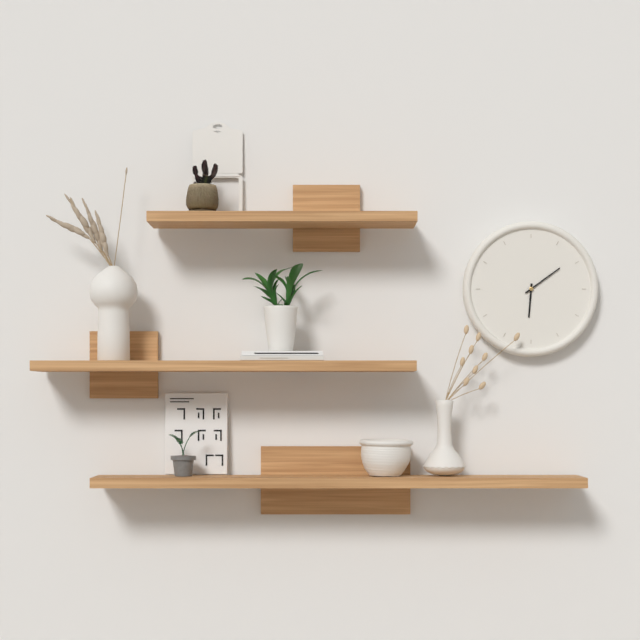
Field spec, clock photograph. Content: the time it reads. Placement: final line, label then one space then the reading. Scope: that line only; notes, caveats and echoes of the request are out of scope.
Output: 6:09
